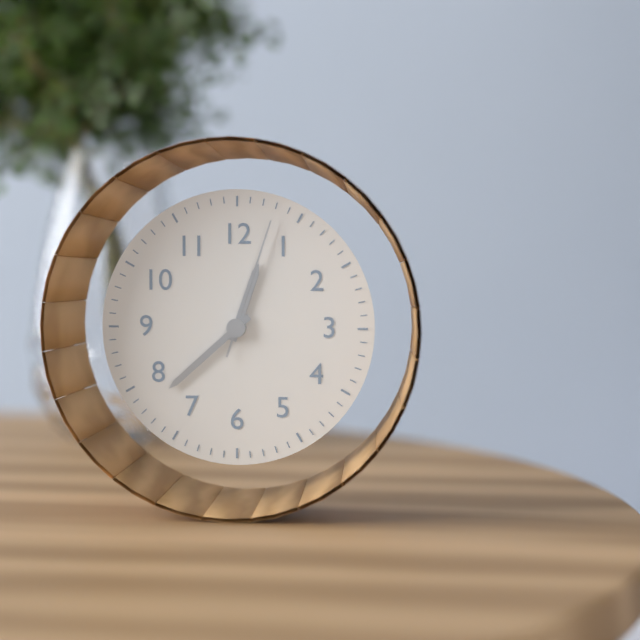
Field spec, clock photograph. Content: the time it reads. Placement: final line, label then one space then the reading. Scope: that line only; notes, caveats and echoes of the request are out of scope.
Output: 12:38:03
